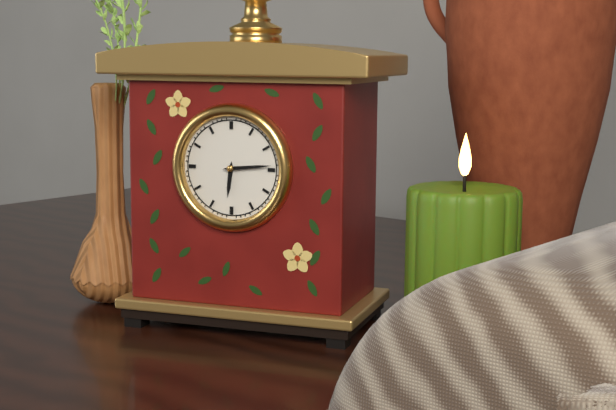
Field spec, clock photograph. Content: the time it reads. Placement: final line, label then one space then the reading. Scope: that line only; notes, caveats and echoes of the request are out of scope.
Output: 6:14
